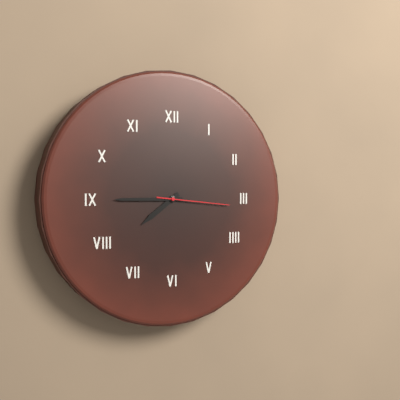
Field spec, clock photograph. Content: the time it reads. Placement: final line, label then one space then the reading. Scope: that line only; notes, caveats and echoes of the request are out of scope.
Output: 7:45:16
